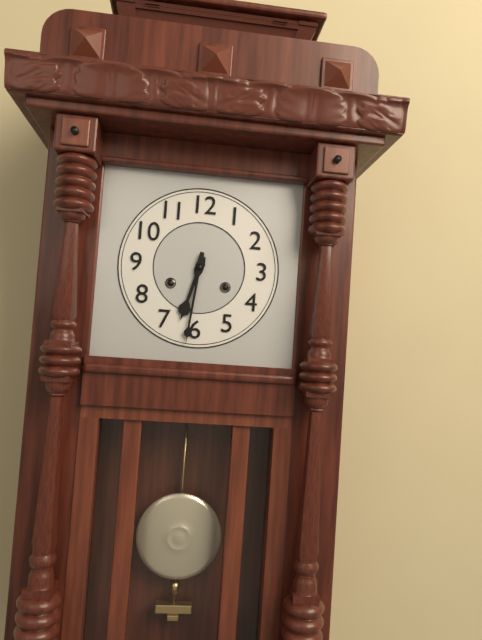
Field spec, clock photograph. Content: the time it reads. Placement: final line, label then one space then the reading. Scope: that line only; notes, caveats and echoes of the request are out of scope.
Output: 6:31
